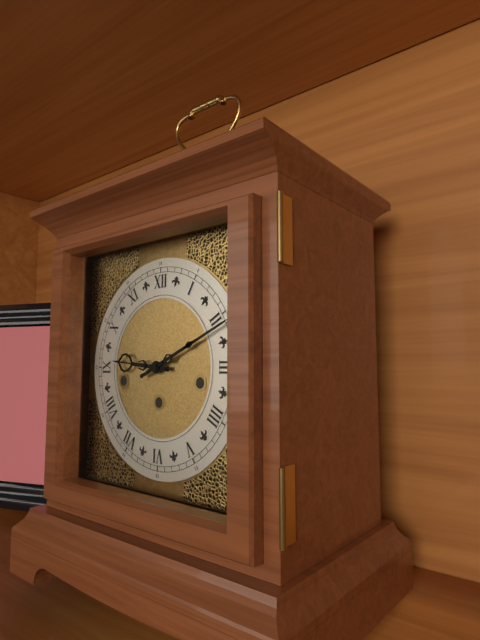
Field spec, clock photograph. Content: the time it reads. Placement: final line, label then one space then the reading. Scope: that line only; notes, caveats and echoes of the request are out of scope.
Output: 9:11
